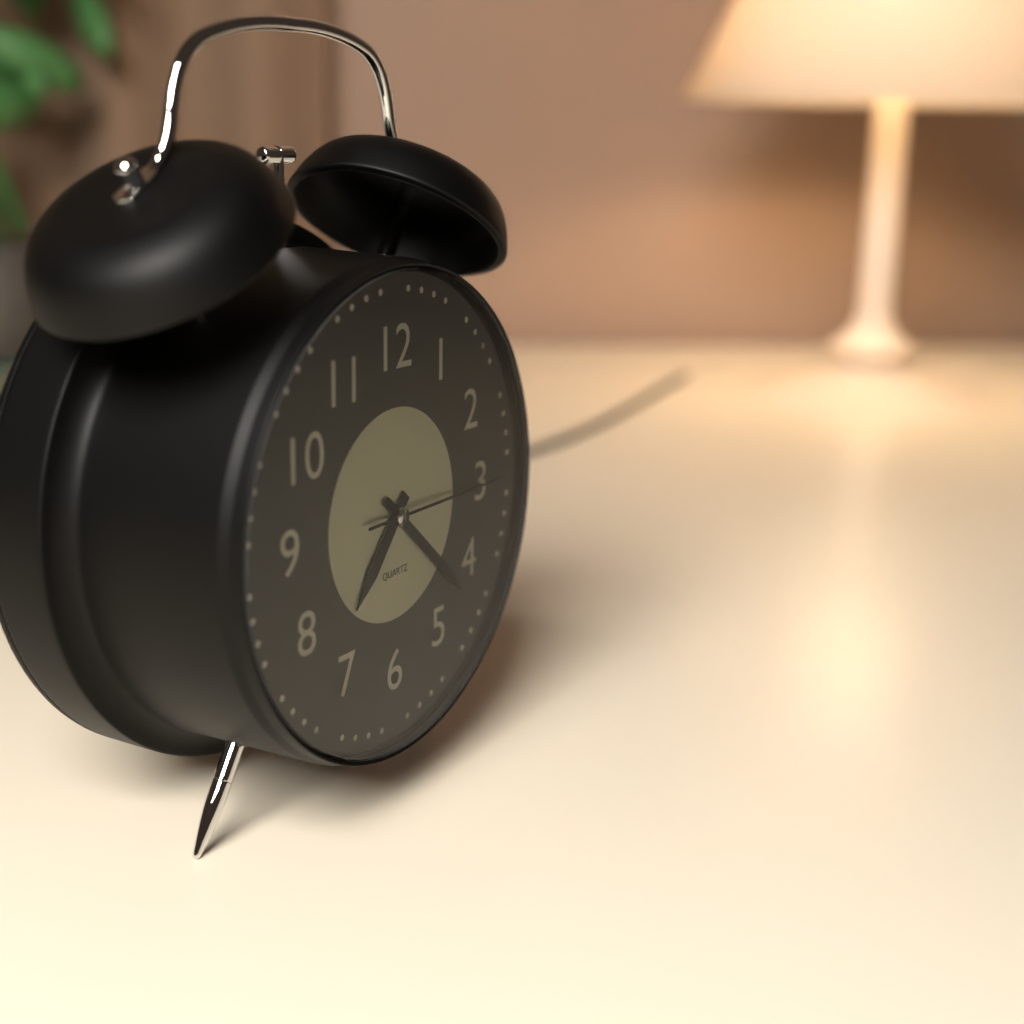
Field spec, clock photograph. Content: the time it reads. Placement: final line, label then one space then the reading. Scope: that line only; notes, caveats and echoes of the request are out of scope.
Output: 7:22:15
